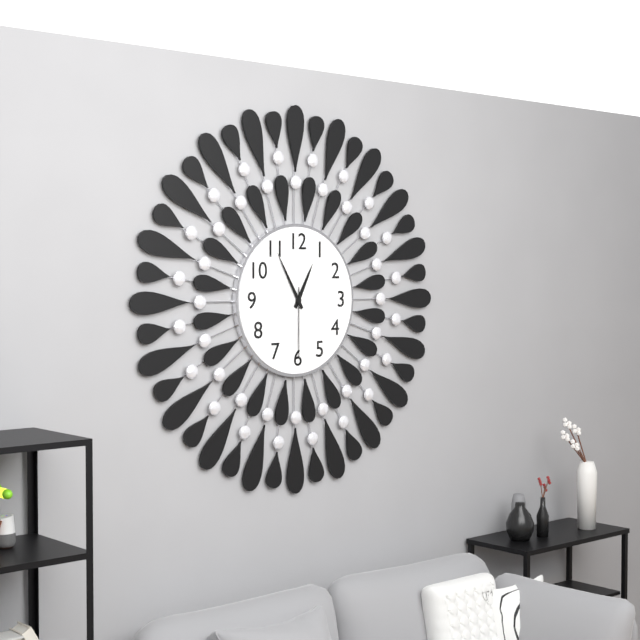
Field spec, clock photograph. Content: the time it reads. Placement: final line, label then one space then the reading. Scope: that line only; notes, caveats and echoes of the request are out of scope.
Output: 12:55:30
